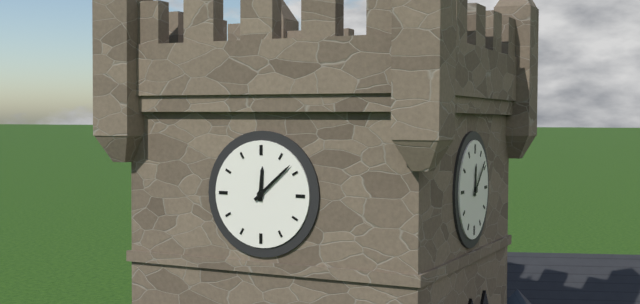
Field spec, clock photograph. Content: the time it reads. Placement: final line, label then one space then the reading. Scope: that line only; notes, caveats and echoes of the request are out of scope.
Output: 12:08
